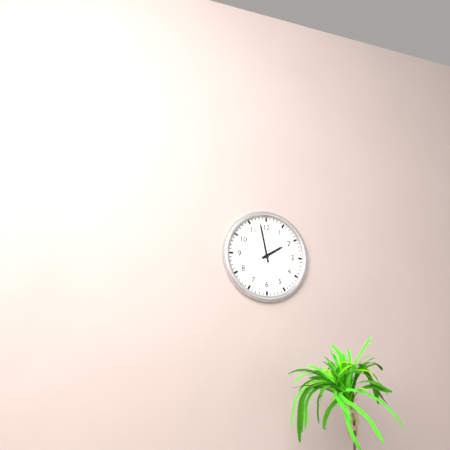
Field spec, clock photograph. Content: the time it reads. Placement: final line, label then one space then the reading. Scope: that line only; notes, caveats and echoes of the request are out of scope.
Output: 1:58
